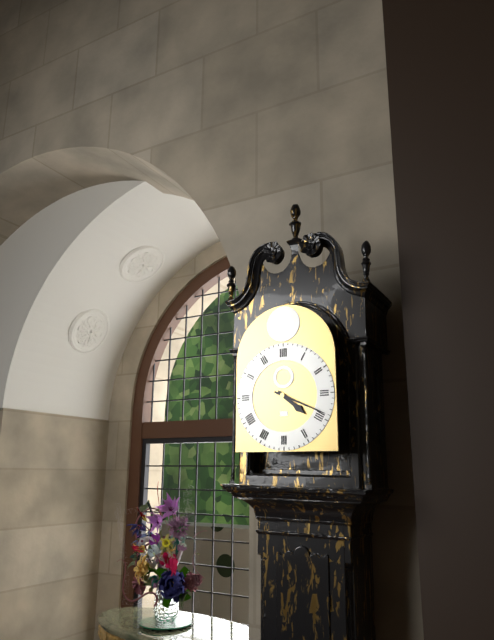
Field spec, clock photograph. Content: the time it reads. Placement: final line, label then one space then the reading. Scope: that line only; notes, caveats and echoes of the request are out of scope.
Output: 4:19
